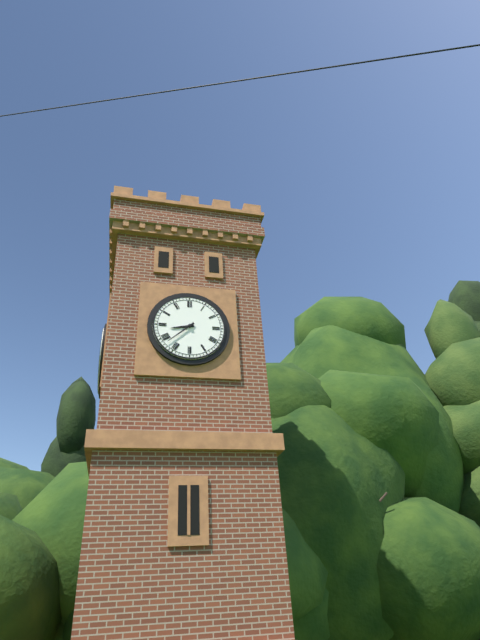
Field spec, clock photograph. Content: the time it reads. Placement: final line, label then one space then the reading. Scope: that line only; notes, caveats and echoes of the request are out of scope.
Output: 8:38
